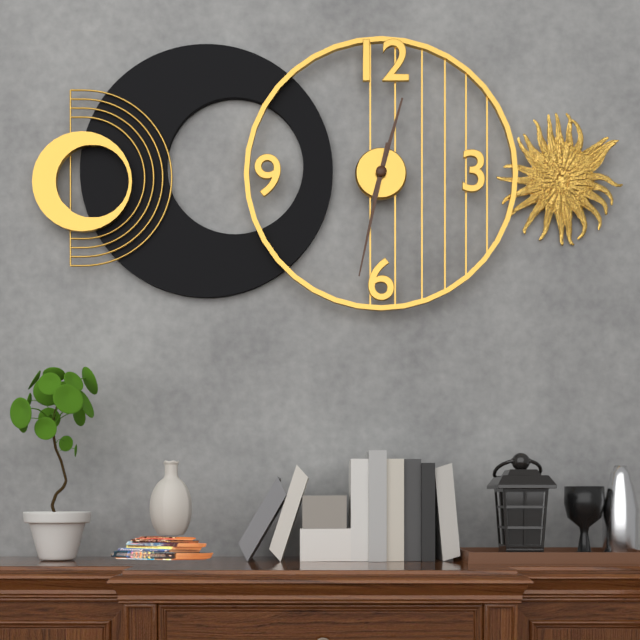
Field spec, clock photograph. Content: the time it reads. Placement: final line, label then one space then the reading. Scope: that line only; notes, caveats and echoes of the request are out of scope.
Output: 12:32
